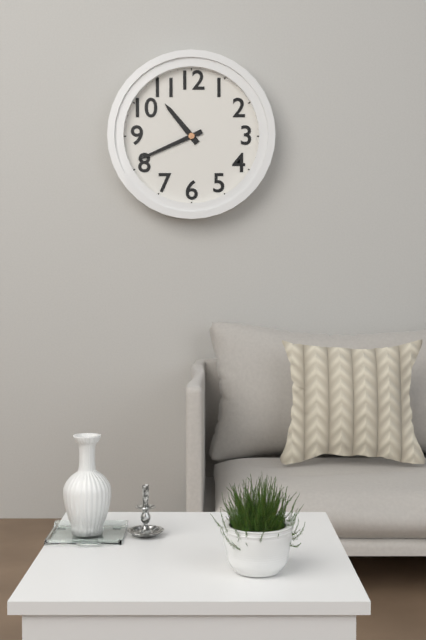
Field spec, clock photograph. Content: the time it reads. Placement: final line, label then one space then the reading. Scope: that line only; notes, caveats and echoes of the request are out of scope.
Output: 10:41
